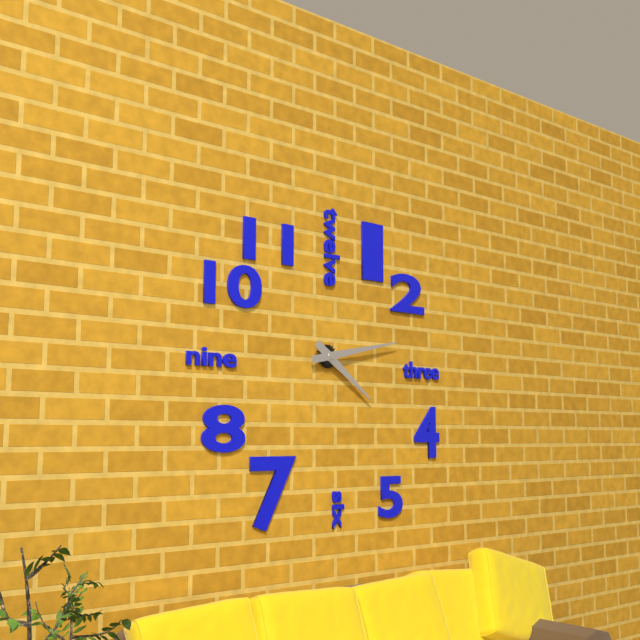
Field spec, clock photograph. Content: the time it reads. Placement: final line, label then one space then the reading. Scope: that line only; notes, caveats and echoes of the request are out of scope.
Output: 4:13
